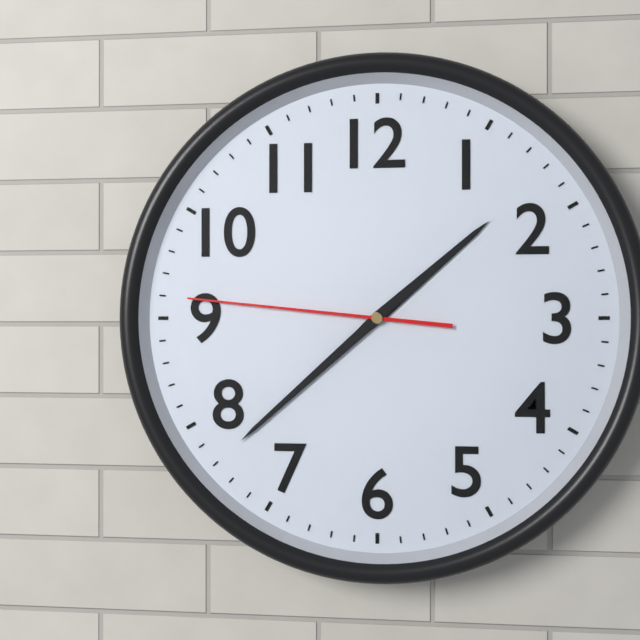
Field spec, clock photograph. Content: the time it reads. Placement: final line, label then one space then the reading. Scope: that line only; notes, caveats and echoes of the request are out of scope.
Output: 1:38:46
